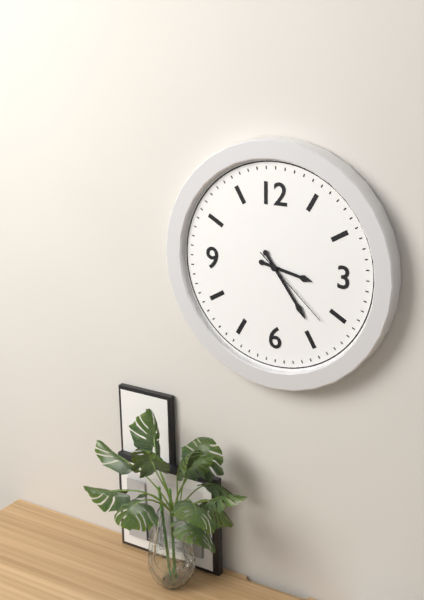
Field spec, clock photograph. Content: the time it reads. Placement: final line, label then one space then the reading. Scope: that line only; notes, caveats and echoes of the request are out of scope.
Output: 3:24:22
